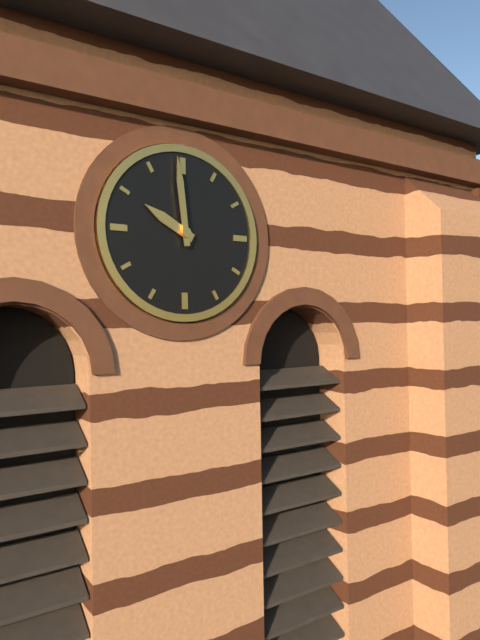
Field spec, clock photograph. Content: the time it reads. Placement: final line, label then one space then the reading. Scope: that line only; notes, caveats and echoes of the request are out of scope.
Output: 9:59
